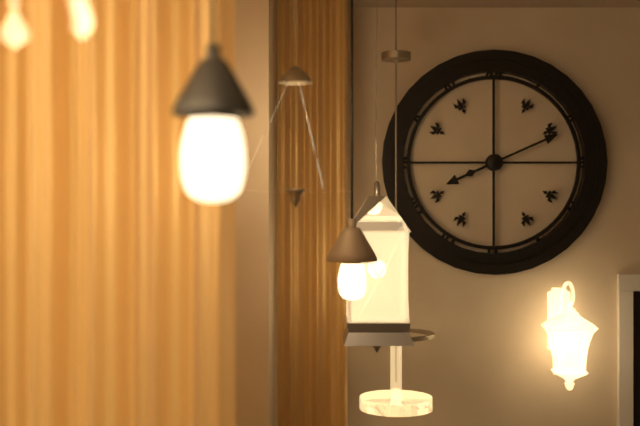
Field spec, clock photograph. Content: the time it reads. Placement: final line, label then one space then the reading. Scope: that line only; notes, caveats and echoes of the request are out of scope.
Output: 8:11
